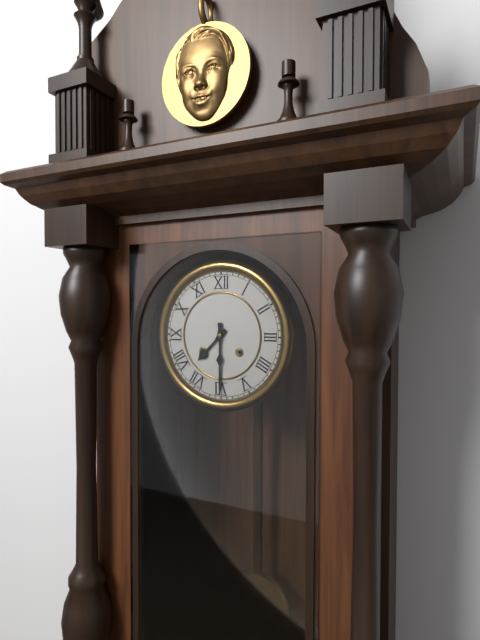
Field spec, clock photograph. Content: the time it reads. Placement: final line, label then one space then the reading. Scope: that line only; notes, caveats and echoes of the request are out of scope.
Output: 7:30
